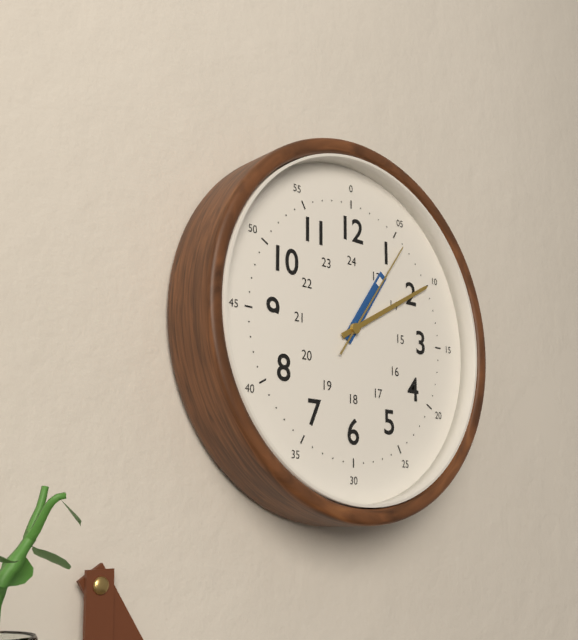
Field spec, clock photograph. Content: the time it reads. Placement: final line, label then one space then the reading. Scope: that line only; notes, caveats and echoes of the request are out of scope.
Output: 1:10:06
